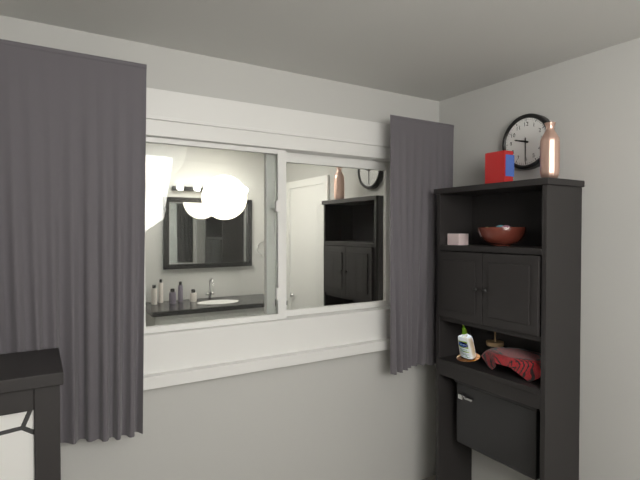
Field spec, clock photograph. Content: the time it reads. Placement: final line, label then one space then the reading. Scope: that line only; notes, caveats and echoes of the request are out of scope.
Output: 9:30
